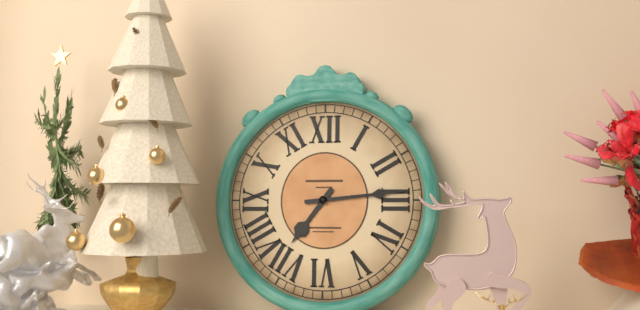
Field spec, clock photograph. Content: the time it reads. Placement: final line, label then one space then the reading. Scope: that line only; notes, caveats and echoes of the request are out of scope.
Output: 7:14
